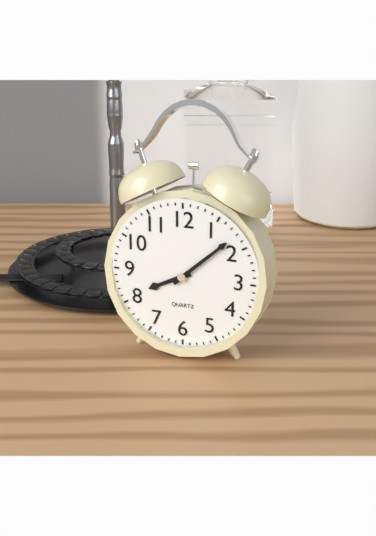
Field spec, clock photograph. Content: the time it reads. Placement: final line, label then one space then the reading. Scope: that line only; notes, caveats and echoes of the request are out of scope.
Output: 8:08
